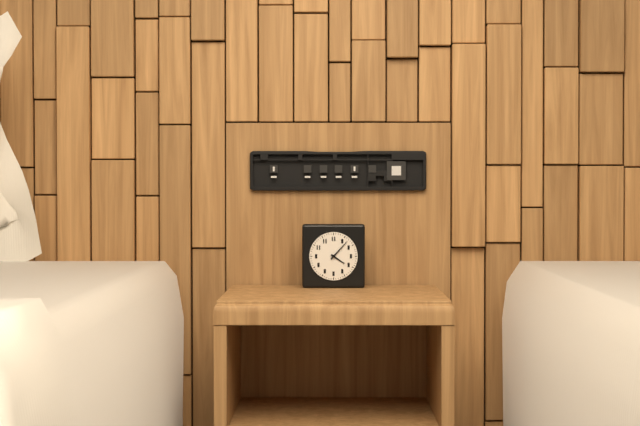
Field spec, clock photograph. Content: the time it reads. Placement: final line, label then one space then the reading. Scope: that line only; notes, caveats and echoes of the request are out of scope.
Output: 4:07
